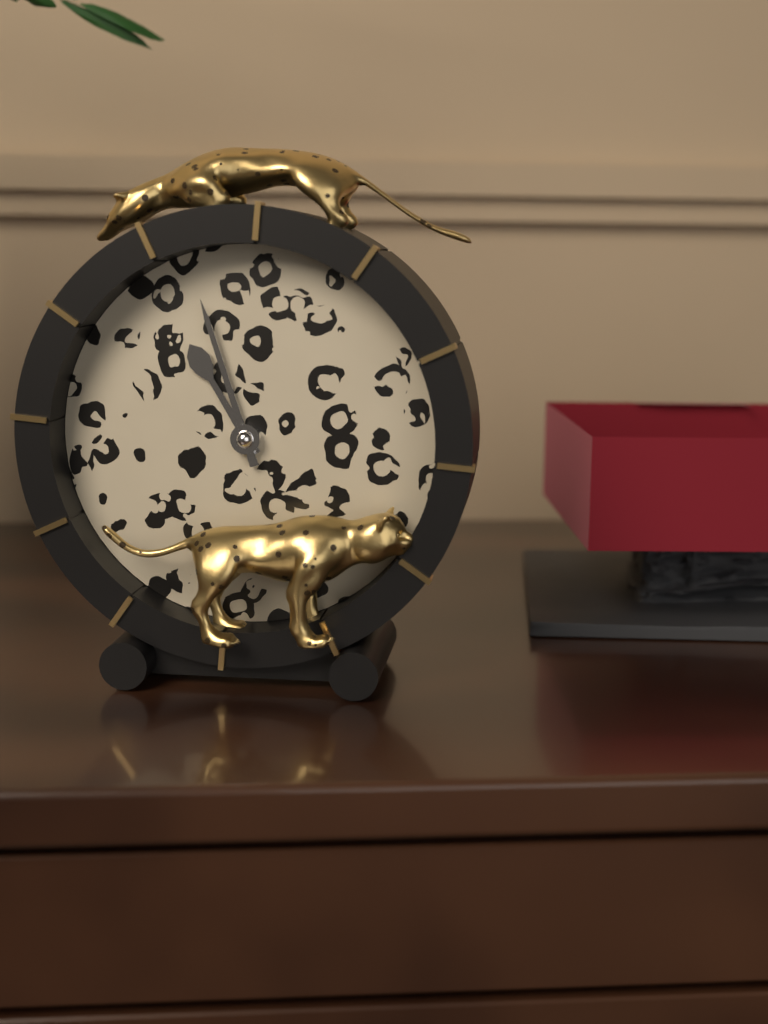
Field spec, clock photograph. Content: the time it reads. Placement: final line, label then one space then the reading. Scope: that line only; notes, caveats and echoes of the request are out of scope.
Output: 10:57
